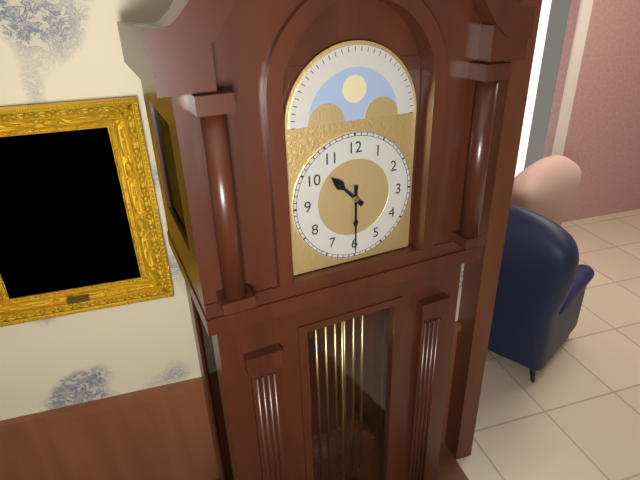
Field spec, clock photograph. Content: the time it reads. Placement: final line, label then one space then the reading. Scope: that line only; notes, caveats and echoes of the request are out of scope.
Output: 10:30
